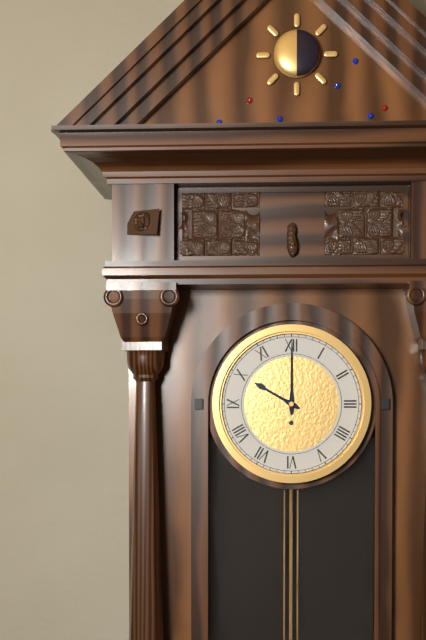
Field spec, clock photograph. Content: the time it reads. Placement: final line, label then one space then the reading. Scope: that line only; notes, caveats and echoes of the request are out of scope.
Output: 10:00
